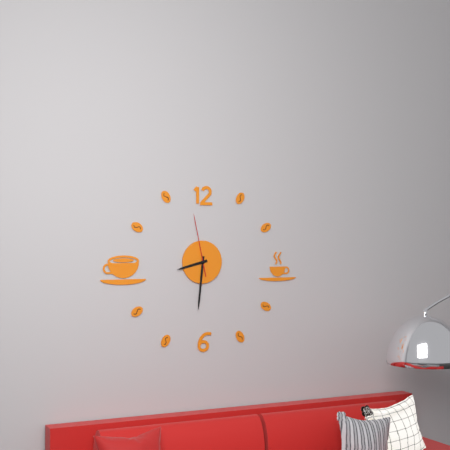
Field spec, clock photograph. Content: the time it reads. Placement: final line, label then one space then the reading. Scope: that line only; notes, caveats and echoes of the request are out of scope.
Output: 8:31:58
